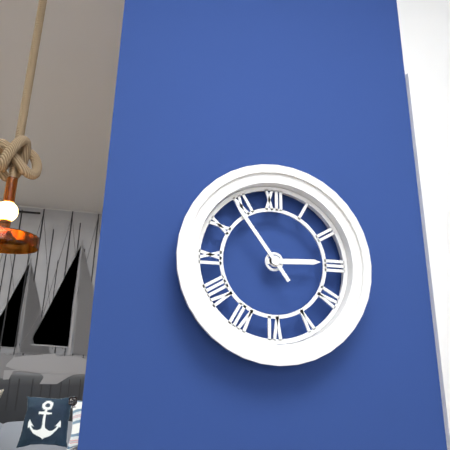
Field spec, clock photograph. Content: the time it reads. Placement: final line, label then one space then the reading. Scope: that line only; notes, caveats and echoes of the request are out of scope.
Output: 2:54
